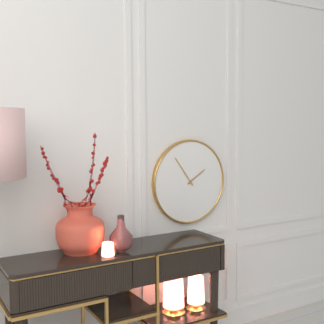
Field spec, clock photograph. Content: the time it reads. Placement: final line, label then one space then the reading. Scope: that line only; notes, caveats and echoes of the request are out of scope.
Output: 1:54
